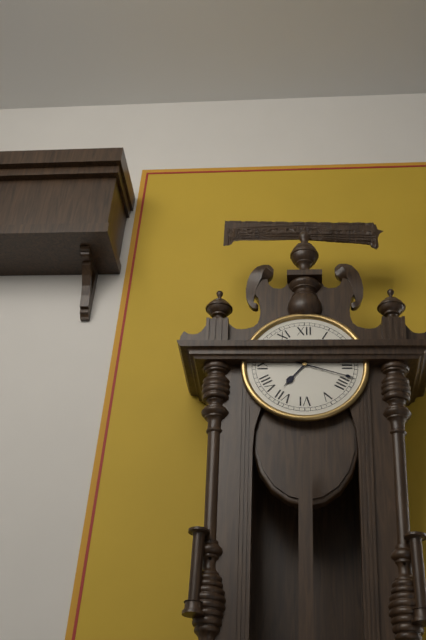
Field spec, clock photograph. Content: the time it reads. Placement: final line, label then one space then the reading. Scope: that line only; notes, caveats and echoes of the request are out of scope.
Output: 7:18
